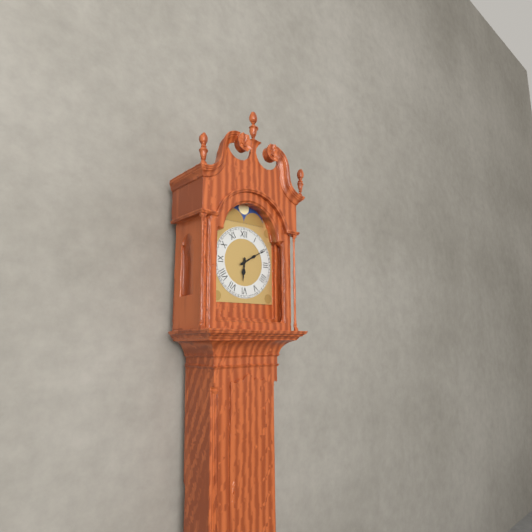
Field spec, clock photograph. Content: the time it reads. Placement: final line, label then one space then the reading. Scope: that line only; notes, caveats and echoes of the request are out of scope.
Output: 6:10
